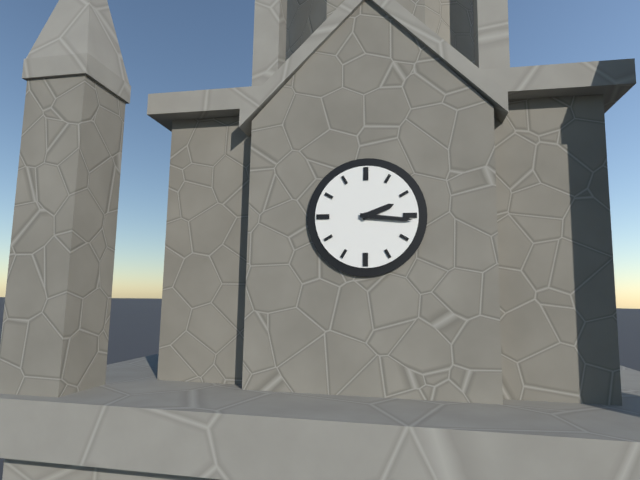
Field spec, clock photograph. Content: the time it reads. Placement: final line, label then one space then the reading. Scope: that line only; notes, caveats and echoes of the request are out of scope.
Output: 2:16
